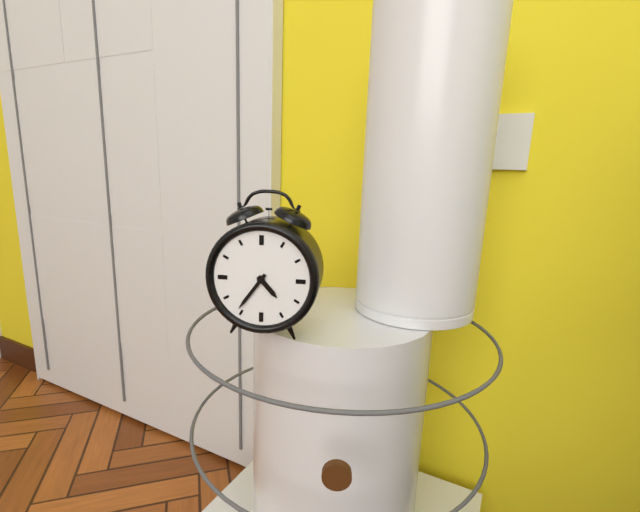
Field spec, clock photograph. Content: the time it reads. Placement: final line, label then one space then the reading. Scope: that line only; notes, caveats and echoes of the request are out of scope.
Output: 4:36
